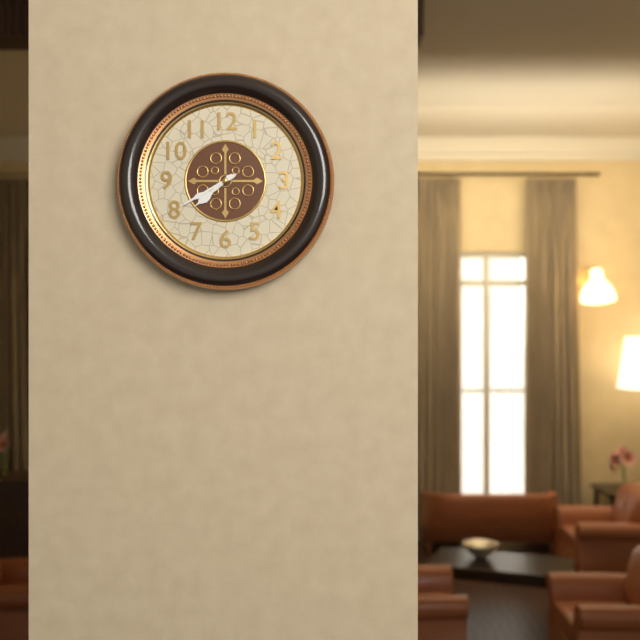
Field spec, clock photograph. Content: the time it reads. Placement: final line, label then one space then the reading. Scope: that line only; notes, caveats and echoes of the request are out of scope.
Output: 7:40
